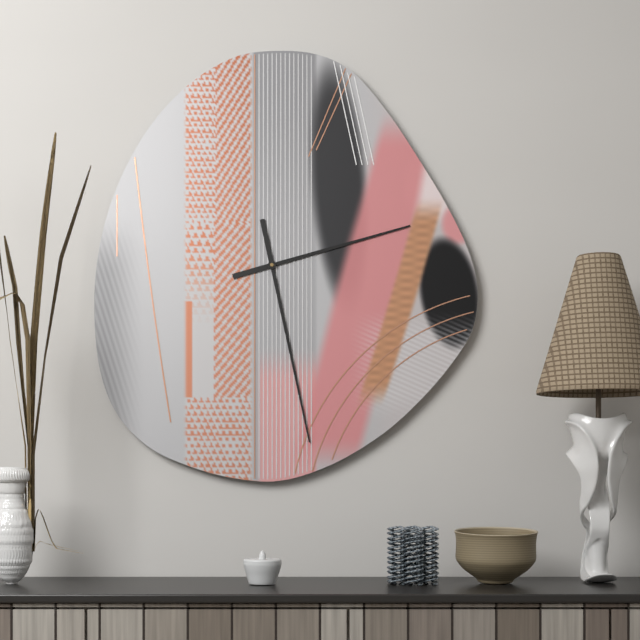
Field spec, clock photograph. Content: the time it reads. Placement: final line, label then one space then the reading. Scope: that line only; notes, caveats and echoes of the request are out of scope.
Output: 2:28
